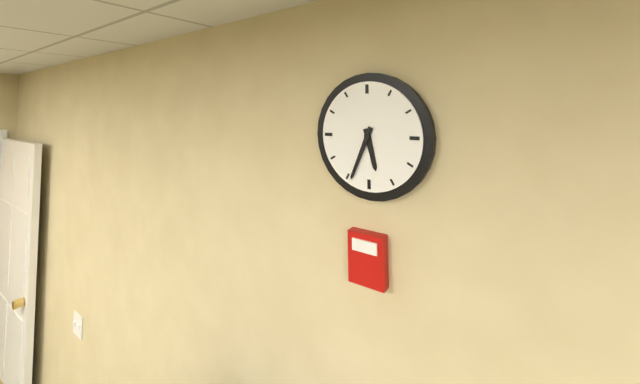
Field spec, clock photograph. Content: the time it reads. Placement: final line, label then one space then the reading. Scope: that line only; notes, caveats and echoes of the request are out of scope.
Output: 5:34
